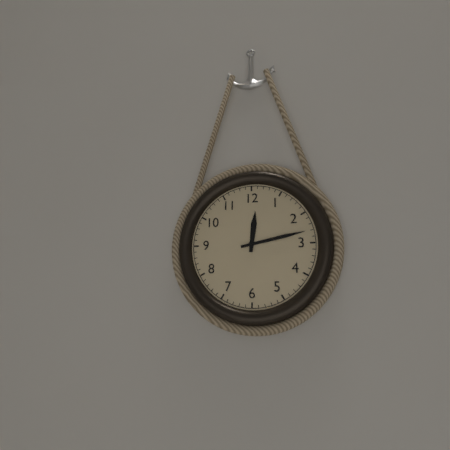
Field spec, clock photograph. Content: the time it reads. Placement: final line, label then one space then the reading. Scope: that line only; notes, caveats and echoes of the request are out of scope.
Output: 12:13
